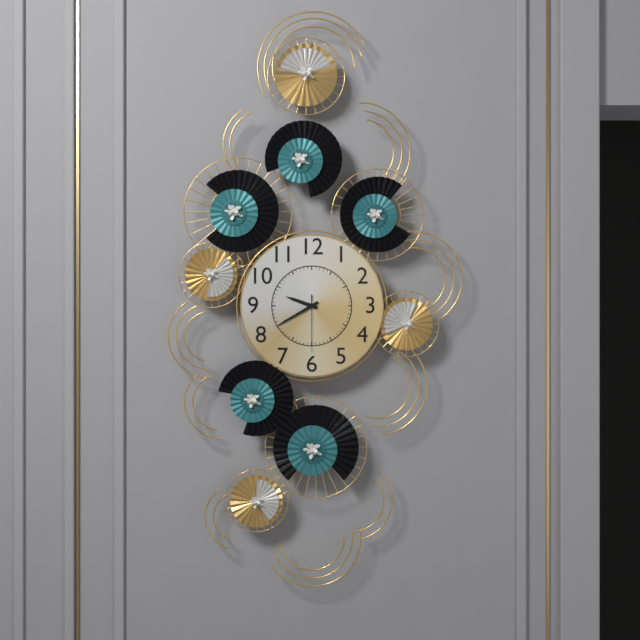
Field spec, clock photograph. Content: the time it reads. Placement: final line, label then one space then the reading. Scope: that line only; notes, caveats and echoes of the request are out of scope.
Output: 9:40:30
